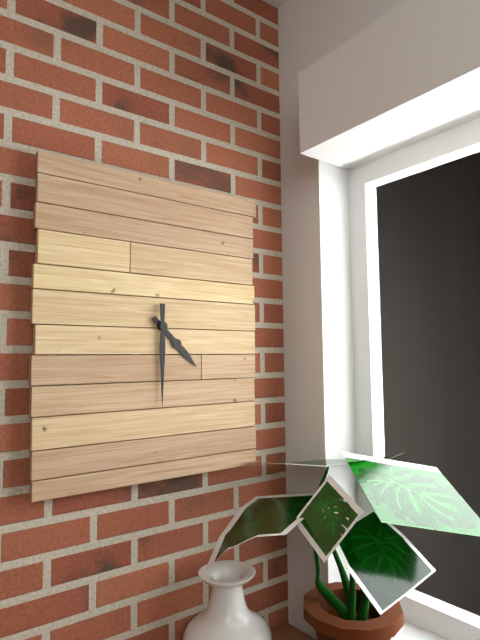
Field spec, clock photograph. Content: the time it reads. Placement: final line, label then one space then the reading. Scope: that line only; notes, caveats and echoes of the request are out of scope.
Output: 4:30
